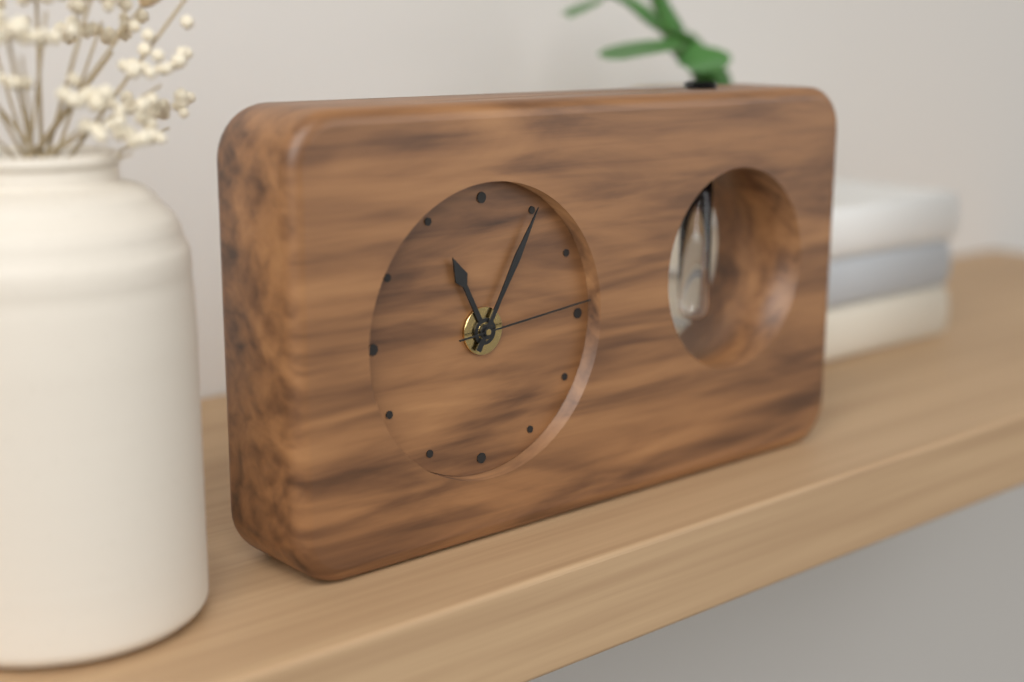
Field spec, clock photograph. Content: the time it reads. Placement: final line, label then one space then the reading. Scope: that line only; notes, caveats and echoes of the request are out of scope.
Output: 11:05:14
